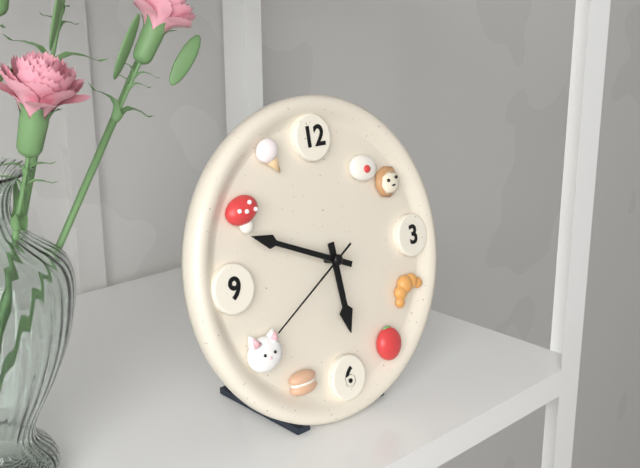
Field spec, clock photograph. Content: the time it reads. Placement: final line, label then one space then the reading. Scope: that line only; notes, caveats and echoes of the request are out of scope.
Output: 5:49:40
